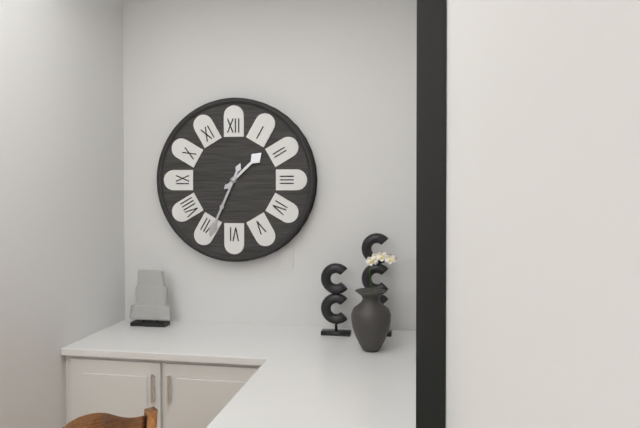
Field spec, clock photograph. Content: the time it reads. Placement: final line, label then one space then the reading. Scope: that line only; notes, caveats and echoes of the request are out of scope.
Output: 1:34
